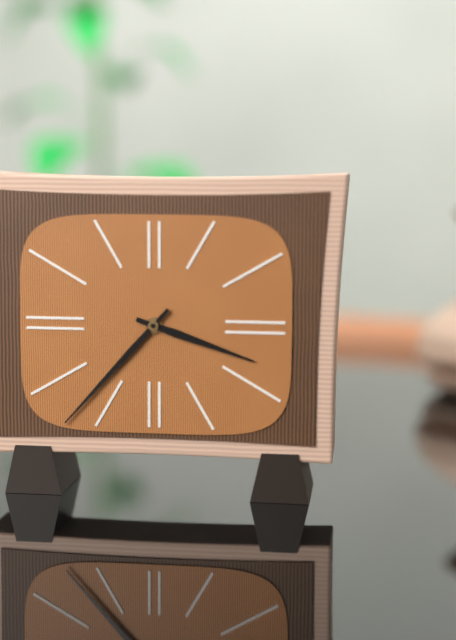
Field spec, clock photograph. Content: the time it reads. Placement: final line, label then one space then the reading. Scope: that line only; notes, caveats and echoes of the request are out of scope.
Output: 3:37
